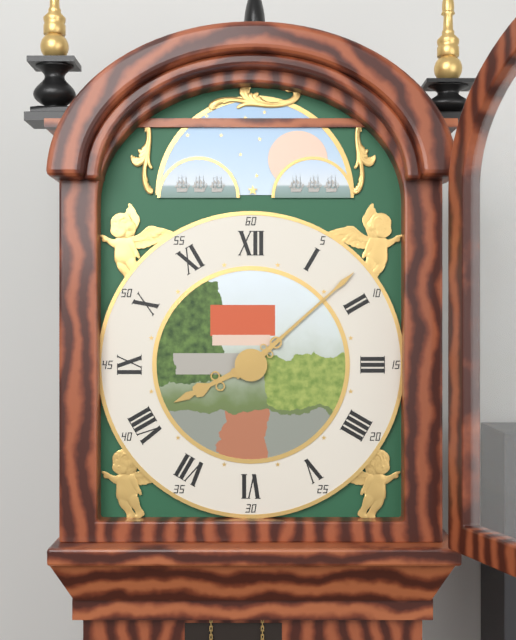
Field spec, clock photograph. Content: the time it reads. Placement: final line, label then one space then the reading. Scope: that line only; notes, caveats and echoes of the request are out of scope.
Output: 8:08
